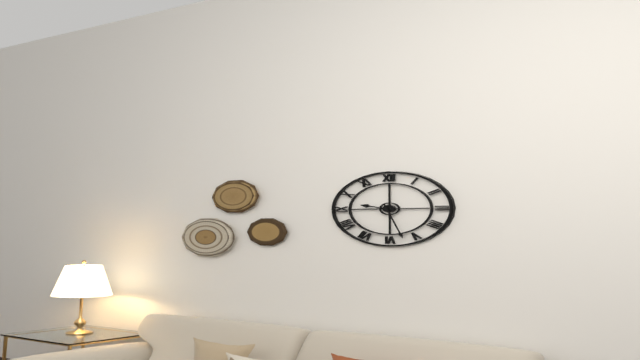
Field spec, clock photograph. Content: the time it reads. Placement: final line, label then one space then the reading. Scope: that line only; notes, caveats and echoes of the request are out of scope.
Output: 9:27
